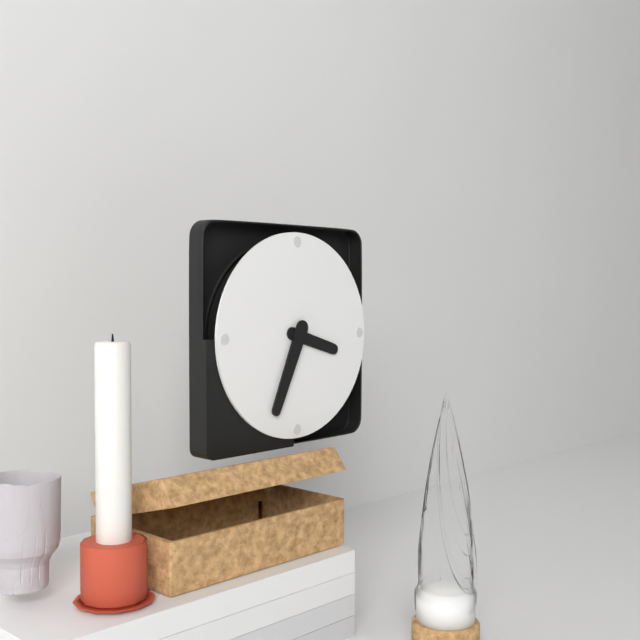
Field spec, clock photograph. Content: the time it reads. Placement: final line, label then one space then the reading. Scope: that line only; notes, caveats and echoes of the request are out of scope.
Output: 3:34
